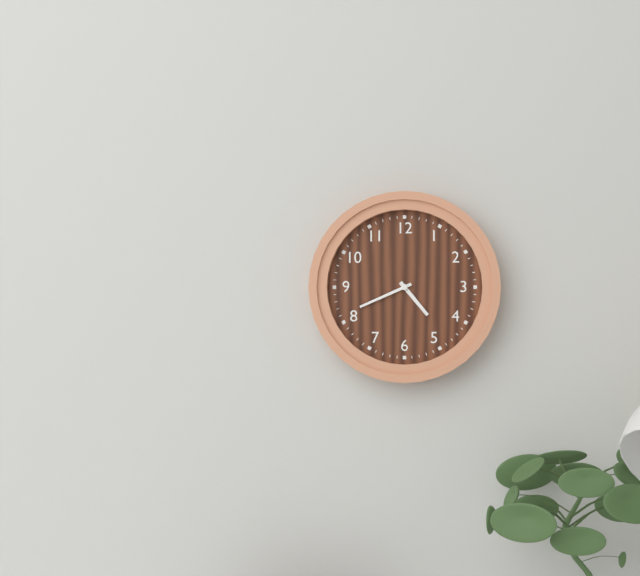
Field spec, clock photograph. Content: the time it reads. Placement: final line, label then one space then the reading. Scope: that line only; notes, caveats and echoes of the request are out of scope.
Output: 4:41
